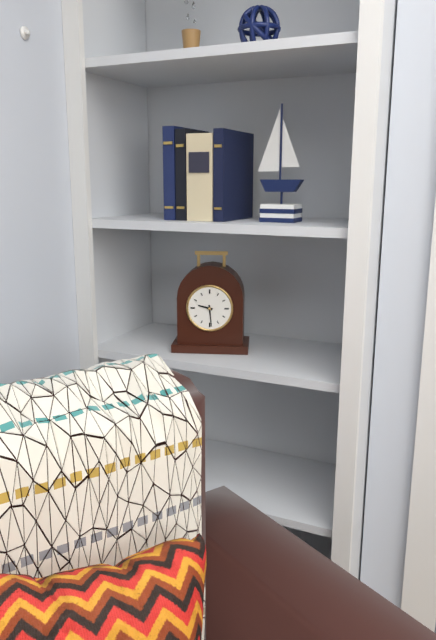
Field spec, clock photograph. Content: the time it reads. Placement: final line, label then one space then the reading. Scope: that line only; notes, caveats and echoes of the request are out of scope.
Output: 9:29
